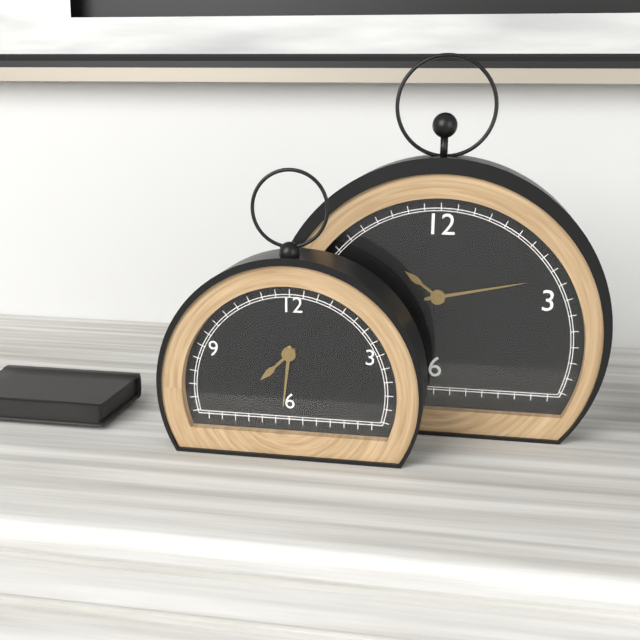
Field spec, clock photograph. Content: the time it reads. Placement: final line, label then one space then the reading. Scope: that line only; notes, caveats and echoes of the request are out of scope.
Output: 7:31
